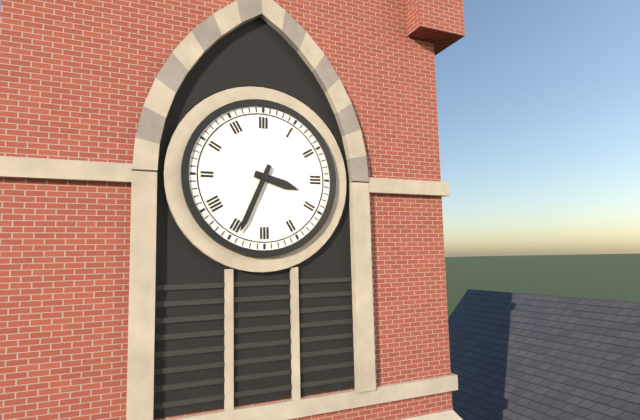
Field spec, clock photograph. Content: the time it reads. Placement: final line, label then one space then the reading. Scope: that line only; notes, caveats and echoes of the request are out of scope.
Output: 3:34
